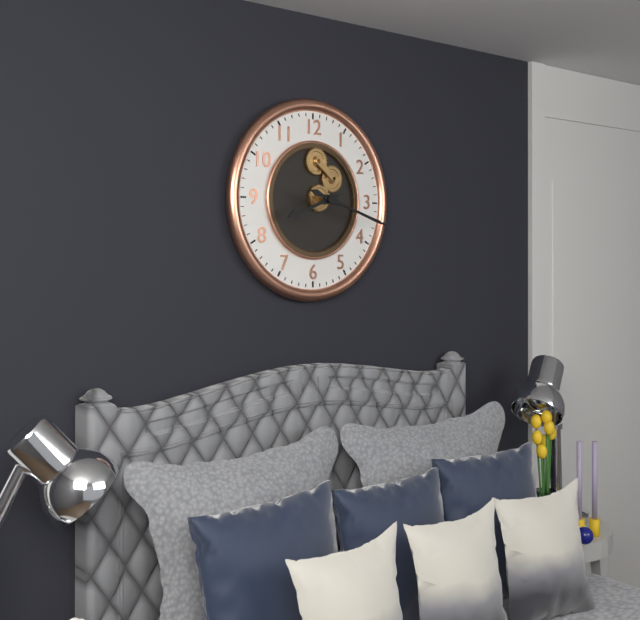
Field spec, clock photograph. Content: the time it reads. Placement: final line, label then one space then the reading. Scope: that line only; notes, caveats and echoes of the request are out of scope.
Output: 8:18
